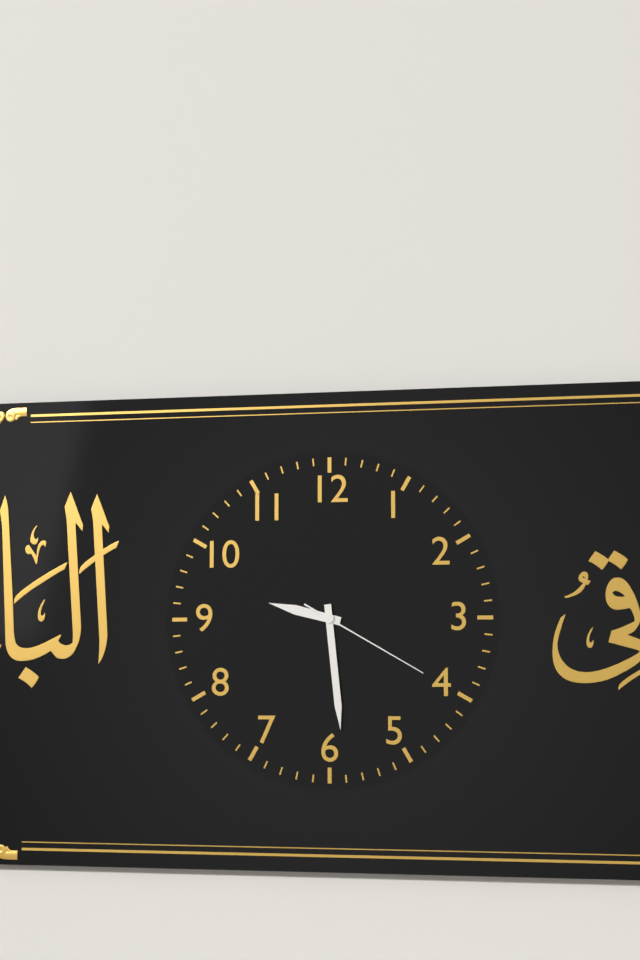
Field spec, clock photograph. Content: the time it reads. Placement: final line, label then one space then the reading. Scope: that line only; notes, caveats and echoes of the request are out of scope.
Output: 9:29:20
